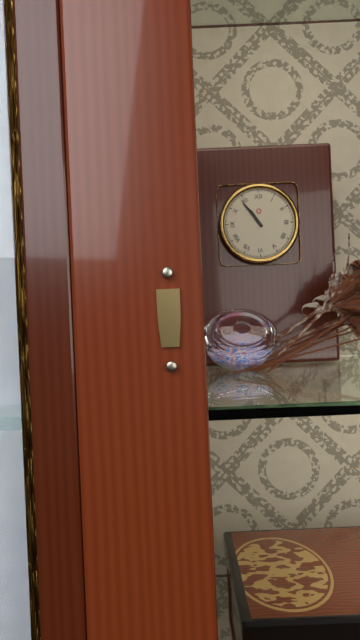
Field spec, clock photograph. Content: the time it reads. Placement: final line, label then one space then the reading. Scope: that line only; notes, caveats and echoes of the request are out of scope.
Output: 10:54
